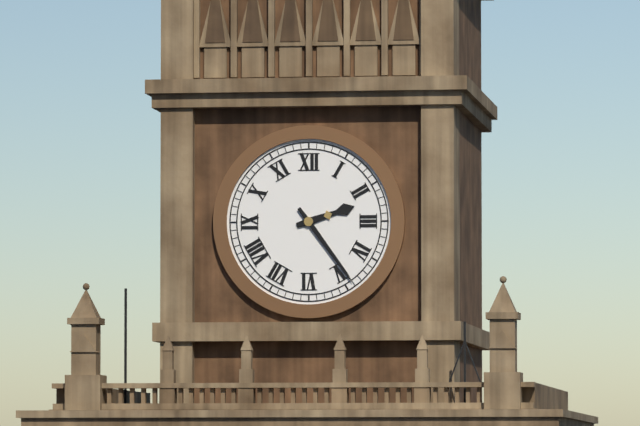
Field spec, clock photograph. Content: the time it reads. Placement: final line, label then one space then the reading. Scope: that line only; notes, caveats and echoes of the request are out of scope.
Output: 2:24
